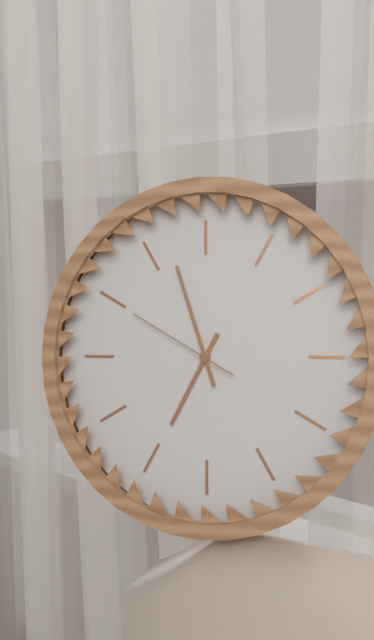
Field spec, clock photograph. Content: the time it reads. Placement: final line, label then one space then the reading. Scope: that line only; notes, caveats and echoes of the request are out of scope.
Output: 6:57:50
